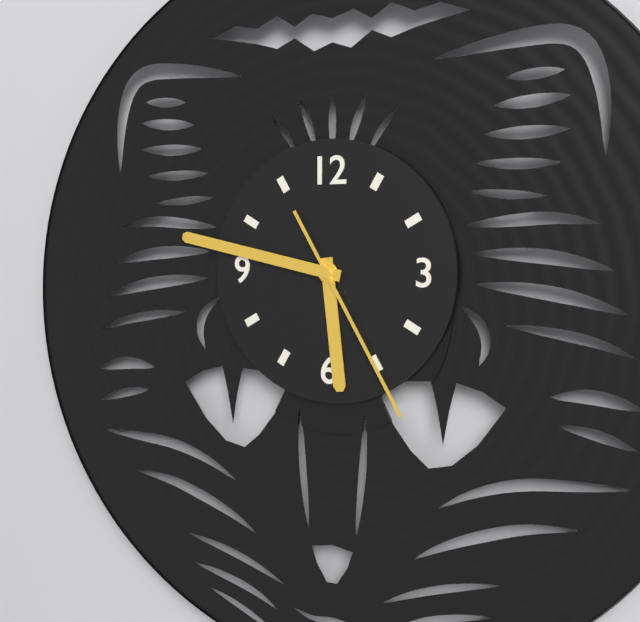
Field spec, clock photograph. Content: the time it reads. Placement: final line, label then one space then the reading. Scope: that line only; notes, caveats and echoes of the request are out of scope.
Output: 5:47:25
